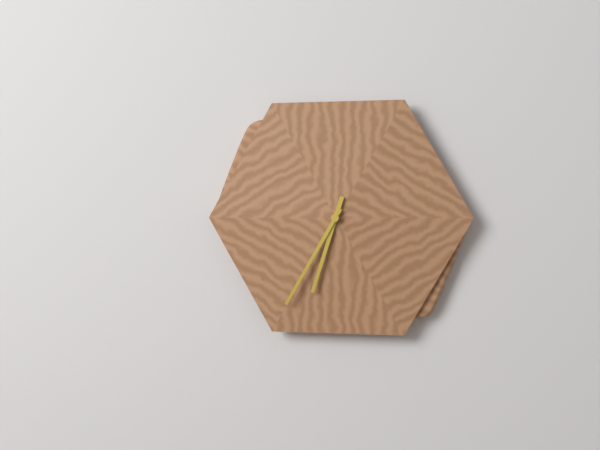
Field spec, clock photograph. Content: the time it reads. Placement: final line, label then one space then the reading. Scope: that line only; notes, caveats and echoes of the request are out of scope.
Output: 6:35
